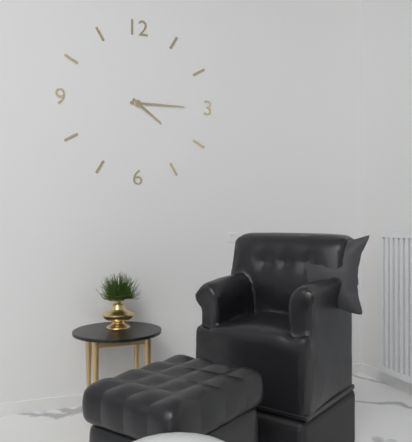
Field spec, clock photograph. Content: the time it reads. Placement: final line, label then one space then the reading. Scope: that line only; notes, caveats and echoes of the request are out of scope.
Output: 4:15
